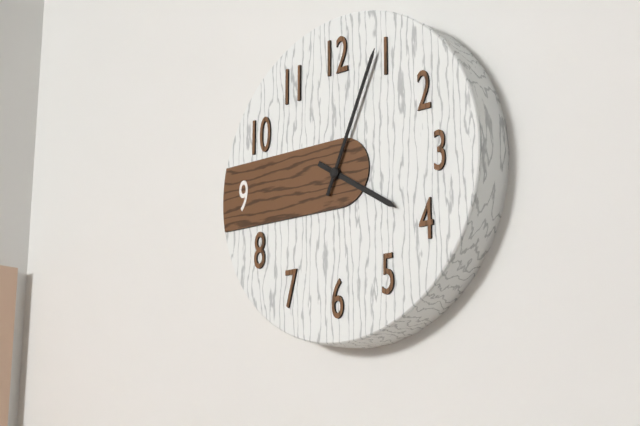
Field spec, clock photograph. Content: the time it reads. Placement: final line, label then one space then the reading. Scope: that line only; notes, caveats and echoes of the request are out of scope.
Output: 4:04
